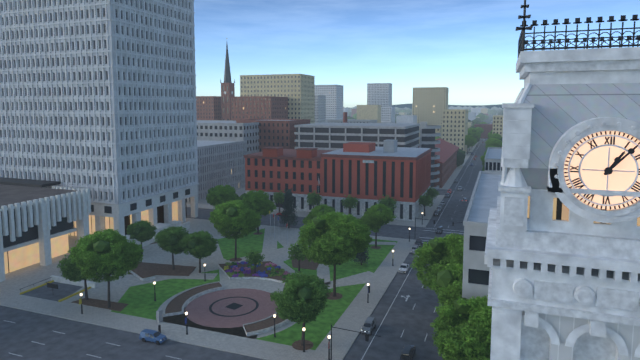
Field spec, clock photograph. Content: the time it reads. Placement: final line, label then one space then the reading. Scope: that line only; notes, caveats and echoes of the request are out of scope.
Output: 1:07
